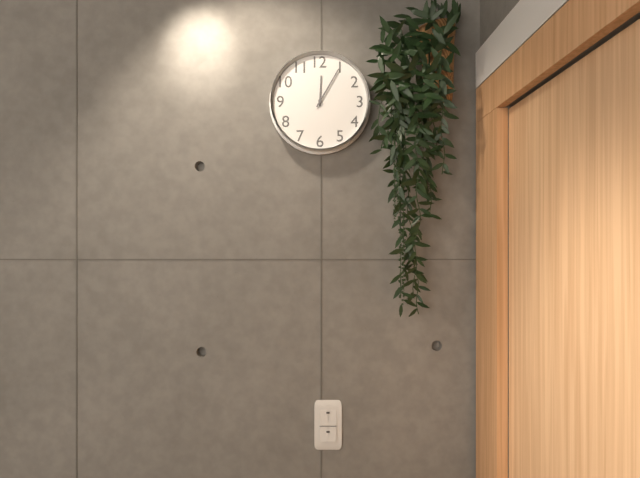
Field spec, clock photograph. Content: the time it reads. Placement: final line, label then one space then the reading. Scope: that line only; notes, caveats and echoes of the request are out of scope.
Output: 12:05
